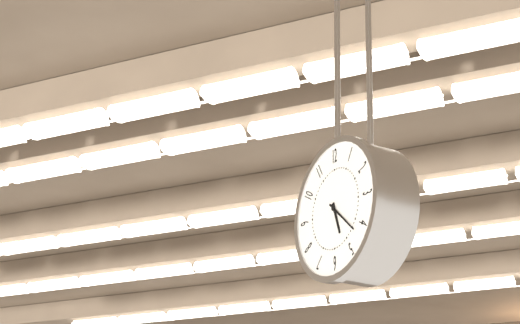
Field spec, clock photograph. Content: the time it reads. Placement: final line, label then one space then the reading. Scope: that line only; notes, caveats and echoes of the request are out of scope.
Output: 5:22
